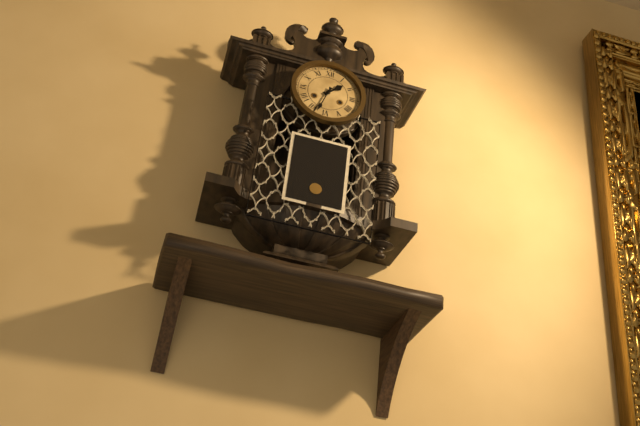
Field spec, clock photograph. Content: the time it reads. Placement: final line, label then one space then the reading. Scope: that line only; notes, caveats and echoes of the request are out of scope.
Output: 1:33
